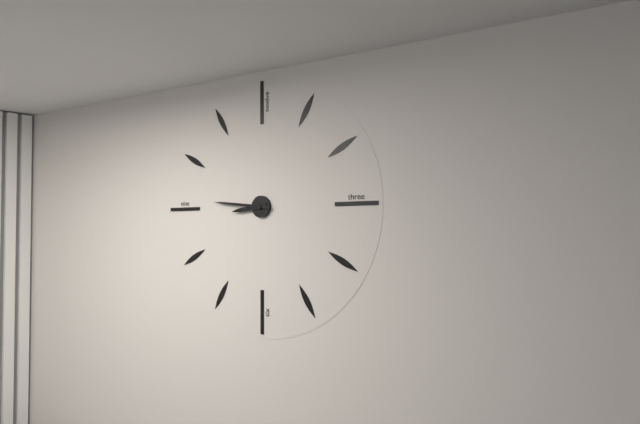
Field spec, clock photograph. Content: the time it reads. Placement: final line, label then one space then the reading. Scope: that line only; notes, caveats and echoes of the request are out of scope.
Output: 8:46
